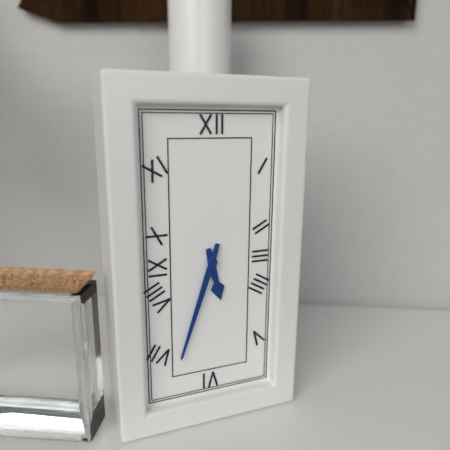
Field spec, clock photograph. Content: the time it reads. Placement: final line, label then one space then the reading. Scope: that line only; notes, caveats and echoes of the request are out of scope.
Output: 5:33
